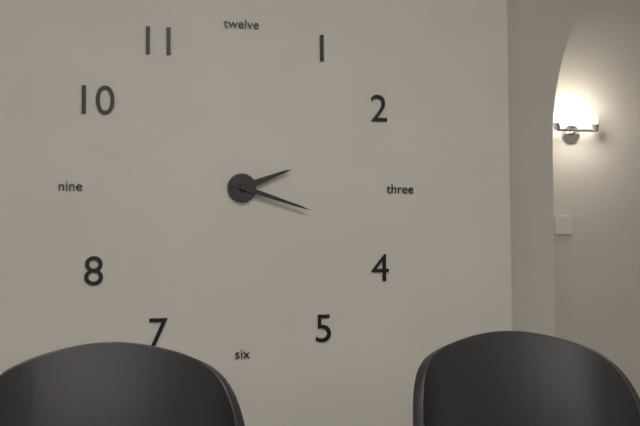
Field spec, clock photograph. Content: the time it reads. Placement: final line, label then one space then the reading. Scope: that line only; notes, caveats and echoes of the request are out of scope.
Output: 2:18
